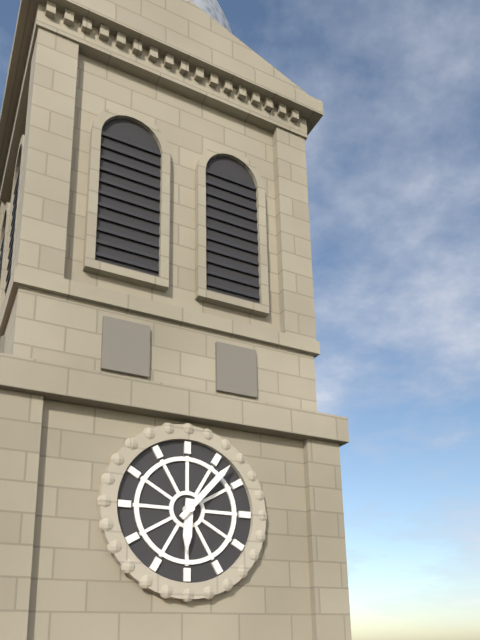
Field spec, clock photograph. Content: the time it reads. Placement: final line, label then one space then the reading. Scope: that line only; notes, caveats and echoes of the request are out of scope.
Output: 6:07
